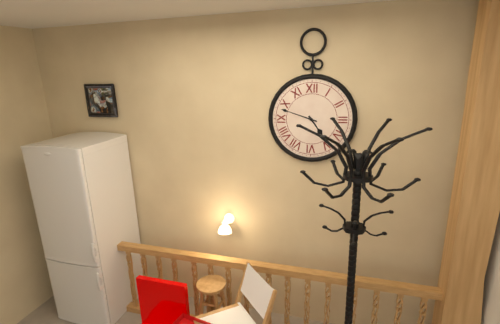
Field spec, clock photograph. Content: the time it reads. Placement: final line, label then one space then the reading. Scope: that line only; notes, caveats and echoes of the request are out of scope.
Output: 4:48
